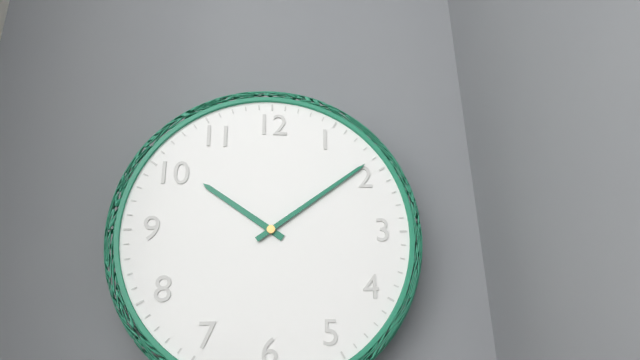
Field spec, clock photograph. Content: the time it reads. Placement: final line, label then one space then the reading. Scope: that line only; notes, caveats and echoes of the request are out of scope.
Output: 10:09
